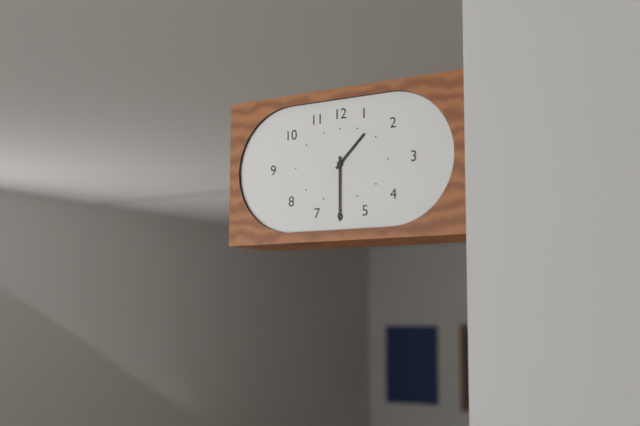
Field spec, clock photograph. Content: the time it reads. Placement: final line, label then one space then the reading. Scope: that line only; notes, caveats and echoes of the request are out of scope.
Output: 1:30
